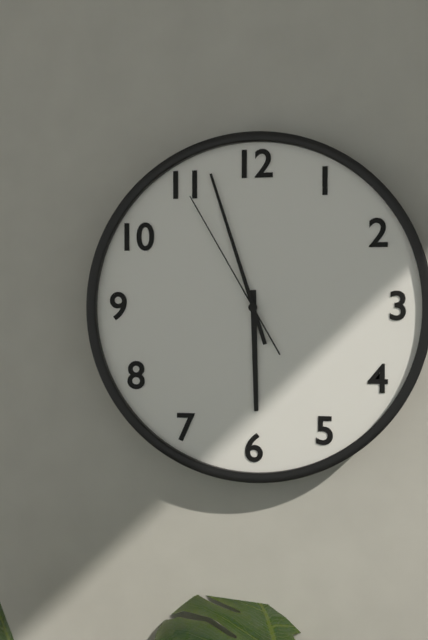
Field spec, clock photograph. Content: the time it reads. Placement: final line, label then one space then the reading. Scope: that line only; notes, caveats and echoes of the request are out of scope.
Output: 5:57:55
